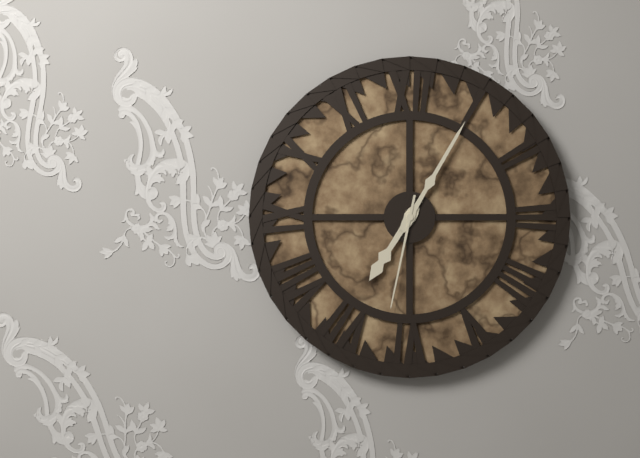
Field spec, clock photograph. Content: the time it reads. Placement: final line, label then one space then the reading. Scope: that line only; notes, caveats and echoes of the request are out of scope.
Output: 7:05:32
